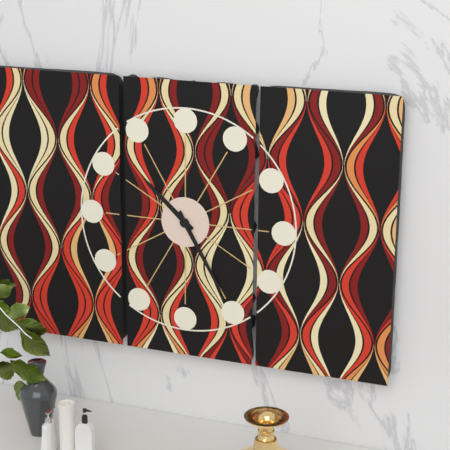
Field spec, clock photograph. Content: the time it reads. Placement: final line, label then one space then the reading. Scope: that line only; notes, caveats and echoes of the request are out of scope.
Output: 10:25
